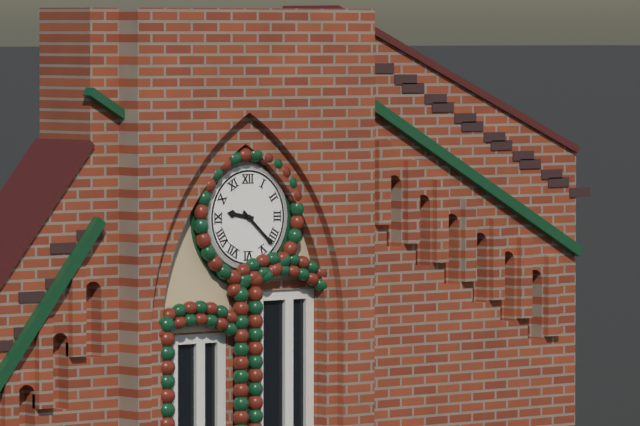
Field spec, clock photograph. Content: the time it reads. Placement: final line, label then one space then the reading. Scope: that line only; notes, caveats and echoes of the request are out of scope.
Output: 9:22
